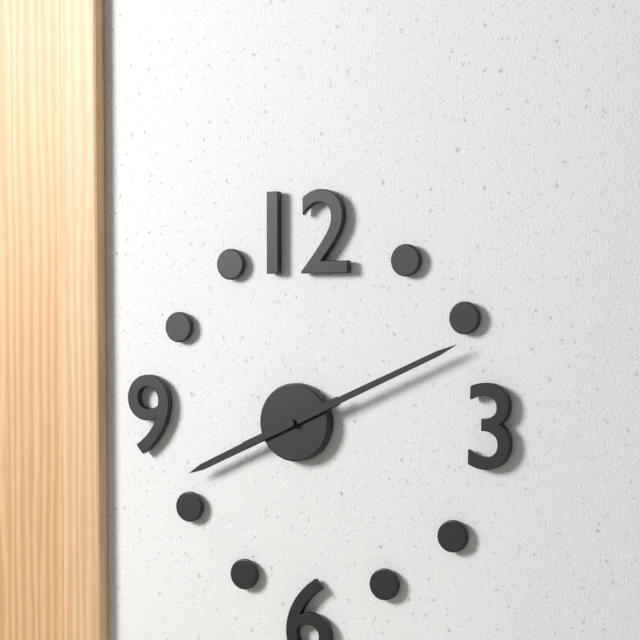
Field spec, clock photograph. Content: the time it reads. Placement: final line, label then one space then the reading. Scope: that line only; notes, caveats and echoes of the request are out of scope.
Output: 8:11
